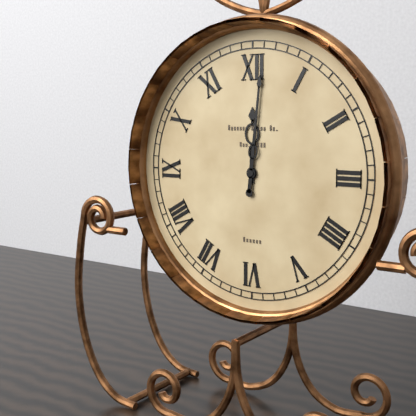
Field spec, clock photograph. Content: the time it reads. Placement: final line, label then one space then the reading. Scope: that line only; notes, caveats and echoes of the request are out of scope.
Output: 12:01
